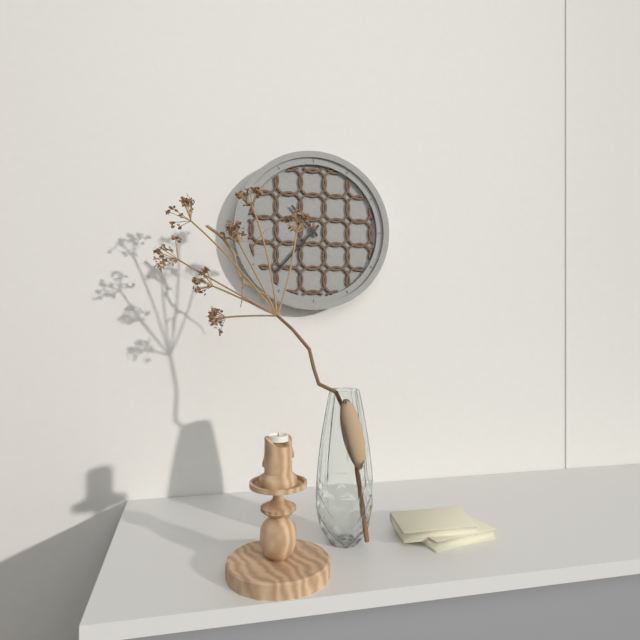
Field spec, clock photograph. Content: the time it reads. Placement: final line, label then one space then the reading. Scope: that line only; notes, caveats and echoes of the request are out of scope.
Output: 10:37
